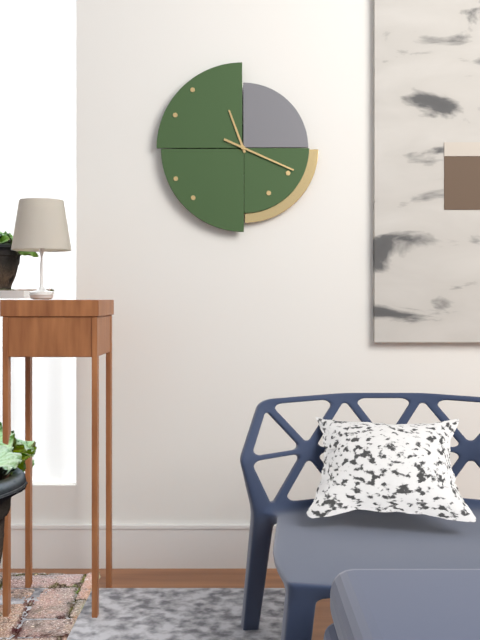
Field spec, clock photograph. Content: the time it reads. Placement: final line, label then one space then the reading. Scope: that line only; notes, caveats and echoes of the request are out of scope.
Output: 11:19
